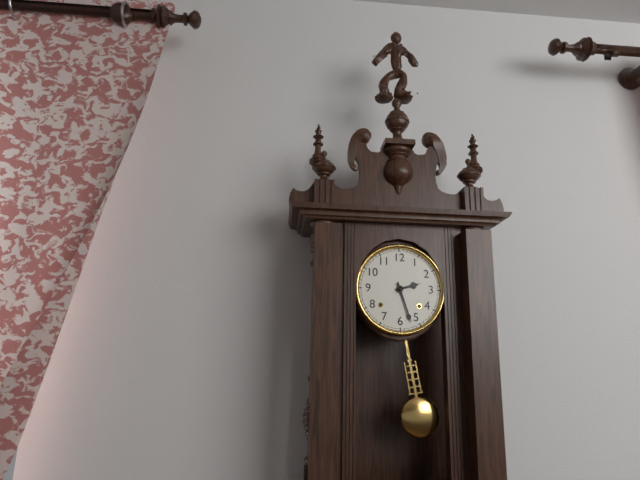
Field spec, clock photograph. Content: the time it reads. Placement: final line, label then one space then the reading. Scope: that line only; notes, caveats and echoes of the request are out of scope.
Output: 2:27
